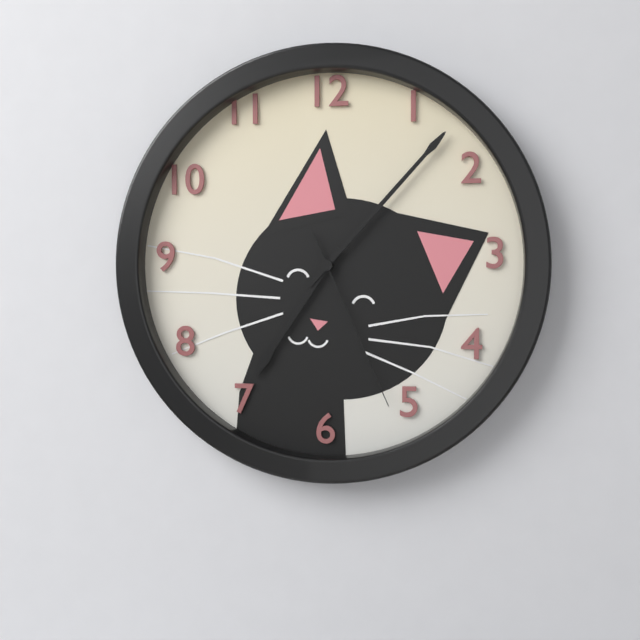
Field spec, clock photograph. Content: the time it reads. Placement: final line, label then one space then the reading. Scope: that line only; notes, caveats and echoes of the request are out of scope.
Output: 7:07:26
